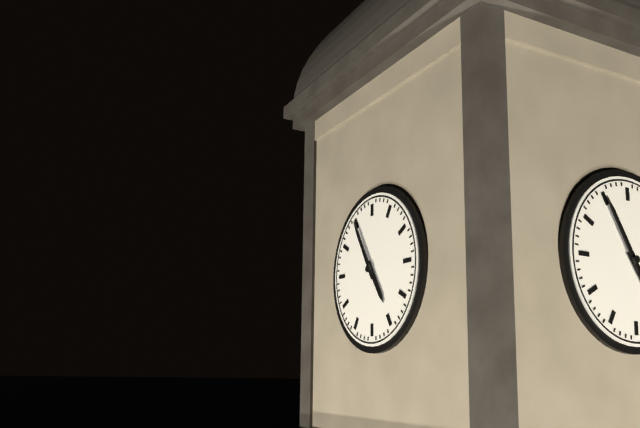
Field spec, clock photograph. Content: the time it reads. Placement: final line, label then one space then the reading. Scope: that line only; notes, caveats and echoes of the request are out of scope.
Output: 4:55
